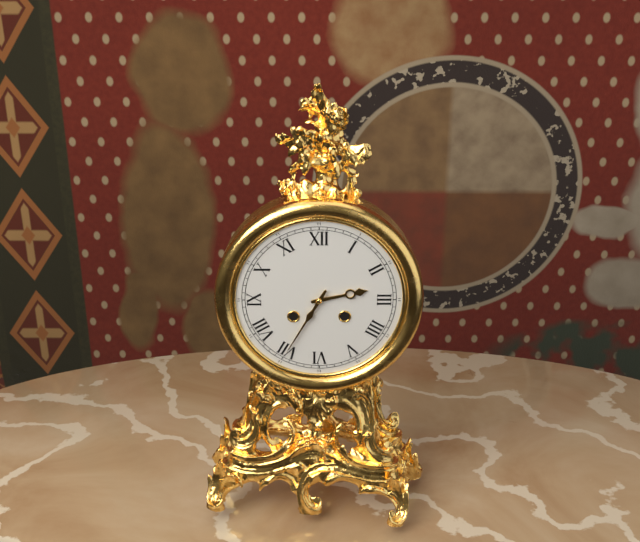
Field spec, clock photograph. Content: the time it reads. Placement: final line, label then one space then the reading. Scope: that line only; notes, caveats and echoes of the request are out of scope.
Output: 2:35
